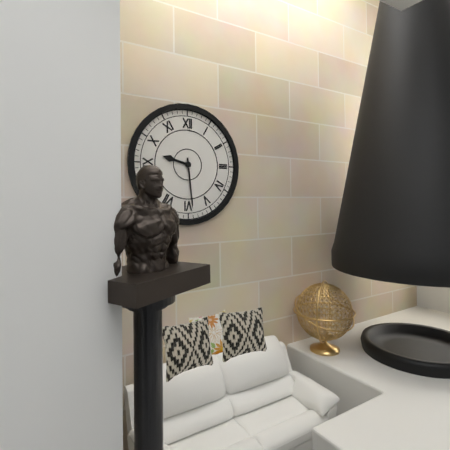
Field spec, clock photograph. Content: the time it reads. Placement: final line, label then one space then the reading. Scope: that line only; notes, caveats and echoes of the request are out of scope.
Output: 9:29
